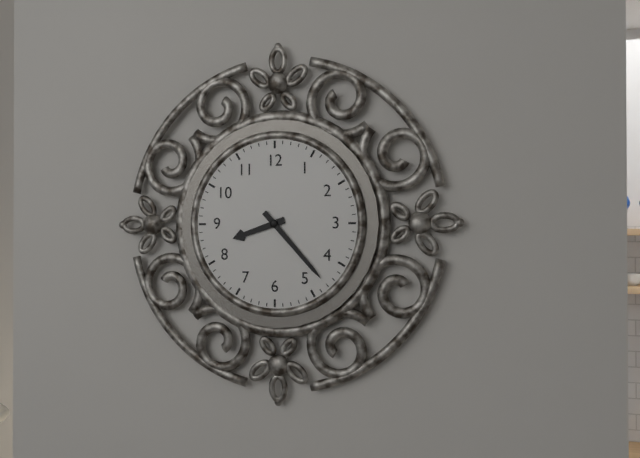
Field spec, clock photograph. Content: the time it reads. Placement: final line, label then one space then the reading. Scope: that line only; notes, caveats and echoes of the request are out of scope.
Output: 8:23
